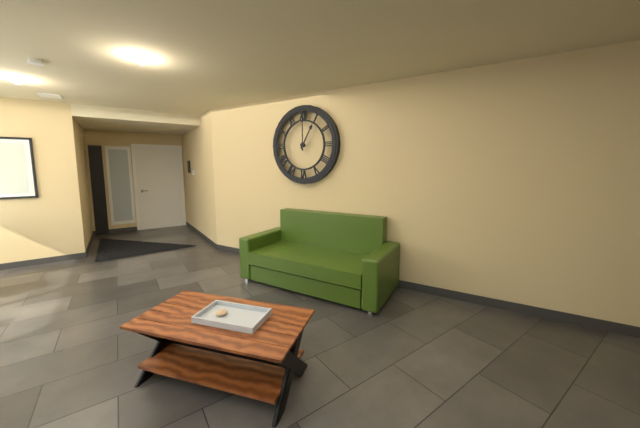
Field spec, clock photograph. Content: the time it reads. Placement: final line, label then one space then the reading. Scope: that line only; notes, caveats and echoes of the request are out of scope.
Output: 1:00
